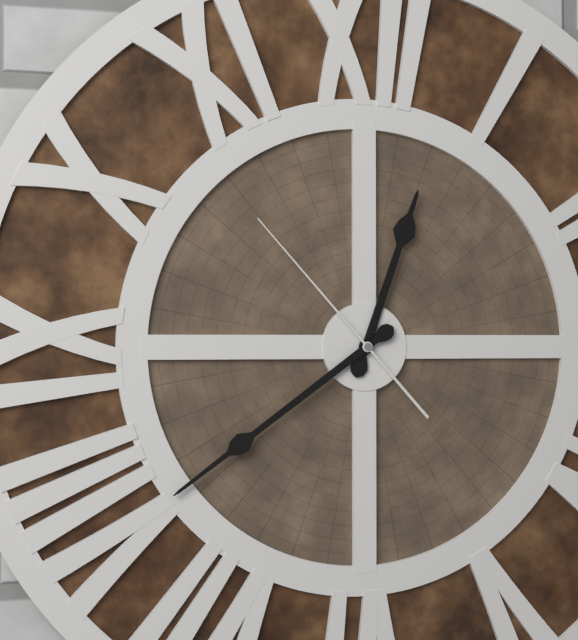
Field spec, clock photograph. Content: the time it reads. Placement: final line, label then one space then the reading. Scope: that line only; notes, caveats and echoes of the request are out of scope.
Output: 12:39:53
